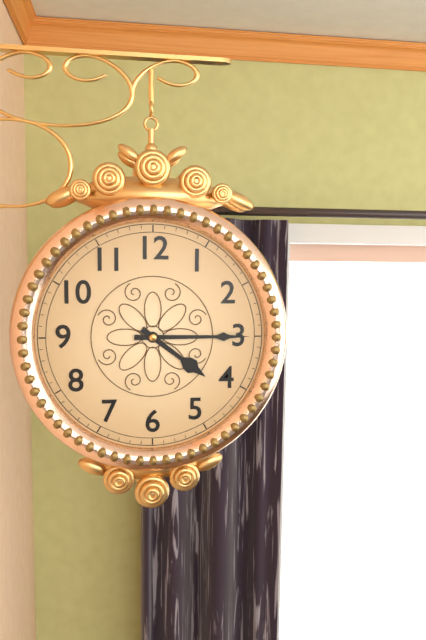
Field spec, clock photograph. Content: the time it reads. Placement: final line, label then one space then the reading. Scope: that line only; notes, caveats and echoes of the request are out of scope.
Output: 4:15
